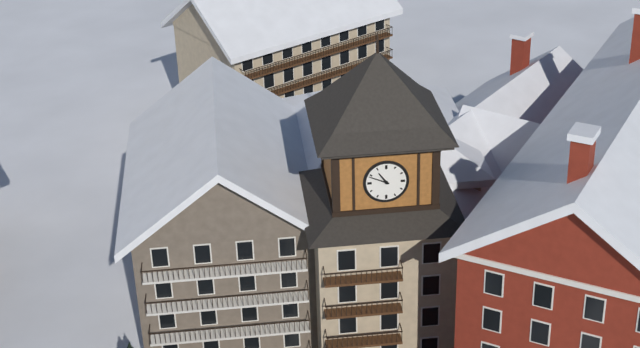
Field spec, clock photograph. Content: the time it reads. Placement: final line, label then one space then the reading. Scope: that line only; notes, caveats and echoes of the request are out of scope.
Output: 10:49
